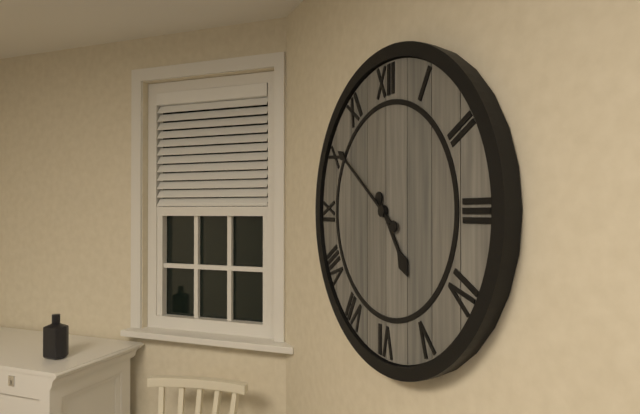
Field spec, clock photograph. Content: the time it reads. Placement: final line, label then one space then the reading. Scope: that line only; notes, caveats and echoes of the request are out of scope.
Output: 4:51
